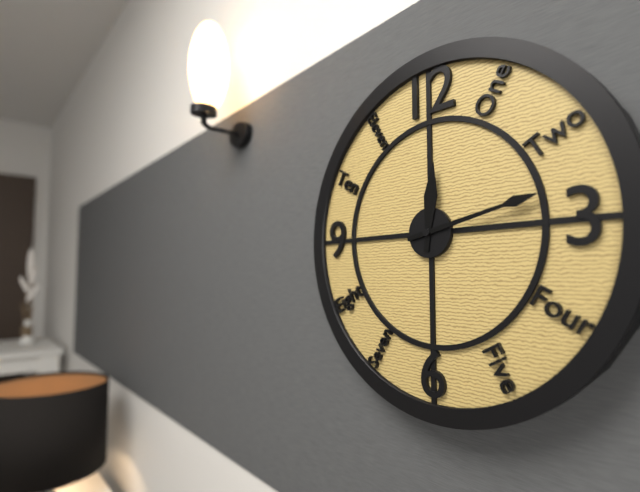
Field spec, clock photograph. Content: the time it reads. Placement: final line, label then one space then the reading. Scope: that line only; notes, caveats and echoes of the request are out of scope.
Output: 12:13
